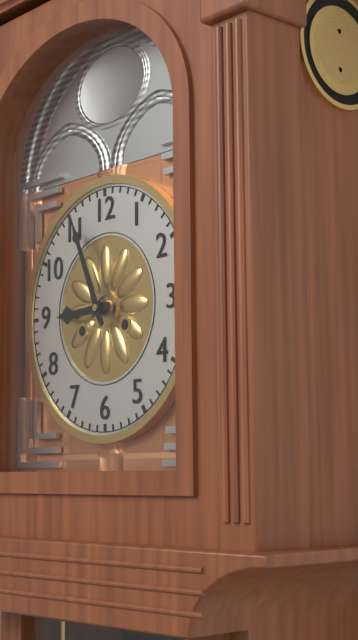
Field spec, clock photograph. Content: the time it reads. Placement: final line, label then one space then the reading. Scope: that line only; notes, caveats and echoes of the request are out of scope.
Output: 8:56
